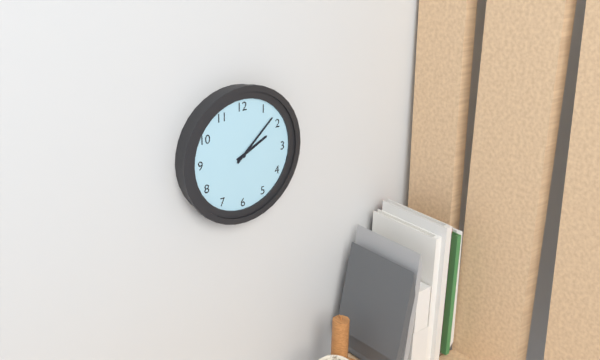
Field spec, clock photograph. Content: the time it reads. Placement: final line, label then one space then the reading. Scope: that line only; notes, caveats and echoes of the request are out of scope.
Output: 2:08
